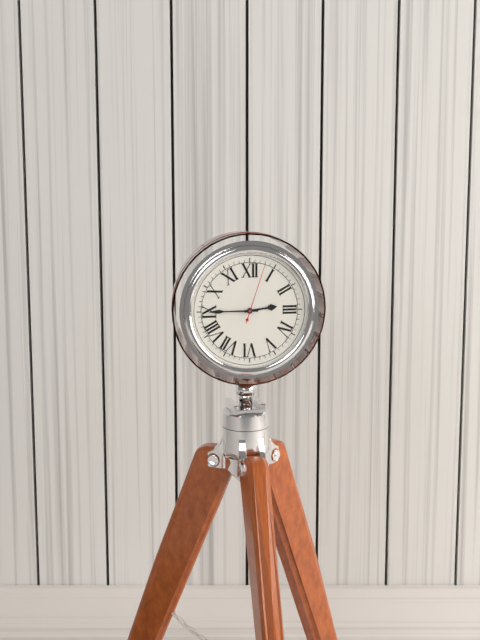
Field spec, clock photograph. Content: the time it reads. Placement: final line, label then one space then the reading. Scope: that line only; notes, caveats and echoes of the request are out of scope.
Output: 2:45:03
